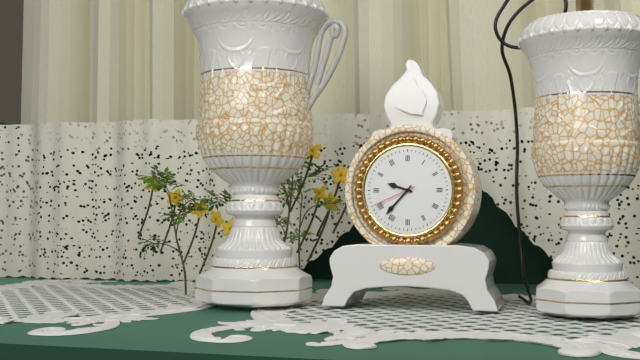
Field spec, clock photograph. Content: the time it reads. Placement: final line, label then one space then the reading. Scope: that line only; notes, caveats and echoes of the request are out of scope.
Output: 9:37
